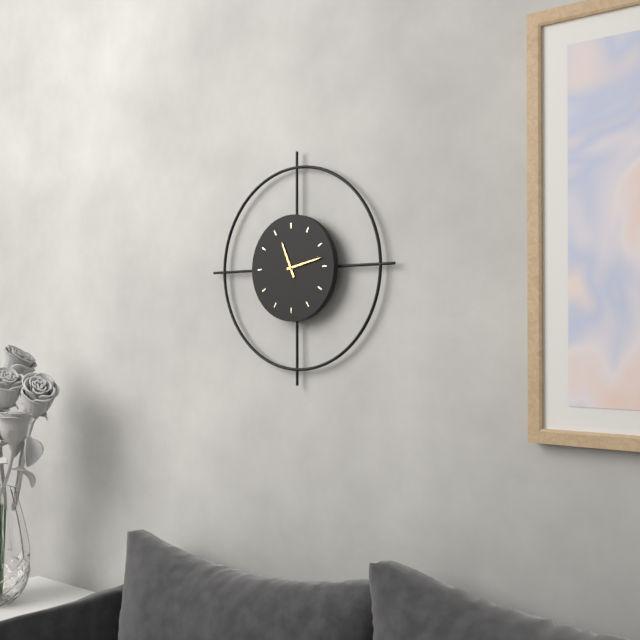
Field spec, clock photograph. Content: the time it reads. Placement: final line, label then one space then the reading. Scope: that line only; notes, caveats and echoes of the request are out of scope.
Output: 11:13
